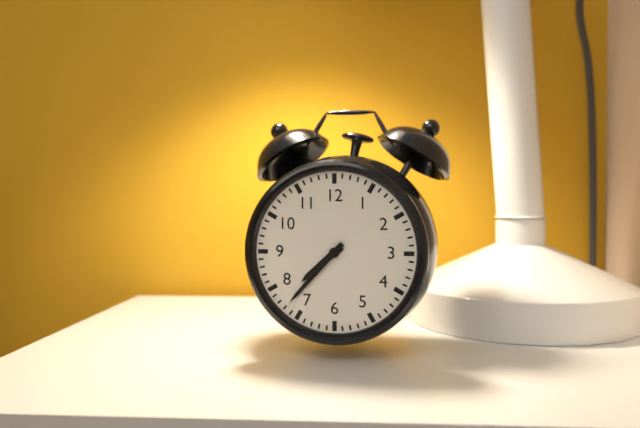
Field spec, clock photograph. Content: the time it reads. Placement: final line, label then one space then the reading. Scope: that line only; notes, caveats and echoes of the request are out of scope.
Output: 7:37
